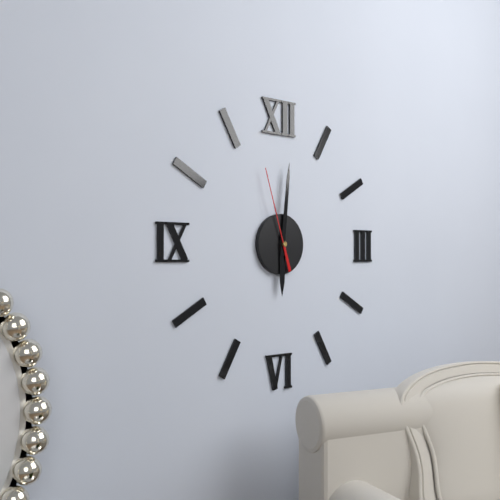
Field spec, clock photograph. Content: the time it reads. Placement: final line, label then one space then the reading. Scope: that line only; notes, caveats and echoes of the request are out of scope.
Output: 6:01:57
